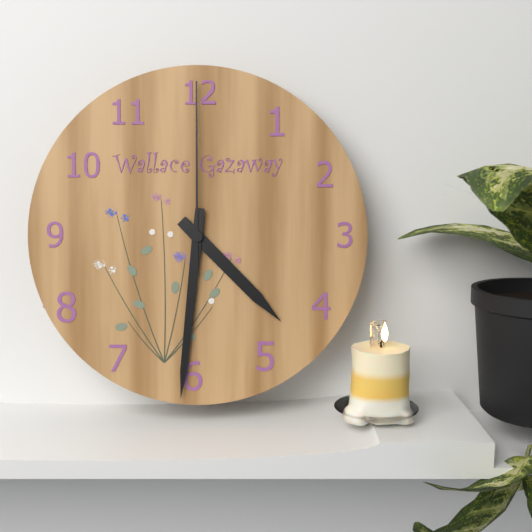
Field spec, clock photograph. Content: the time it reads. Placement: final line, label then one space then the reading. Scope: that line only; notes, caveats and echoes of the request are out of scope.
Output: 4:31:00
